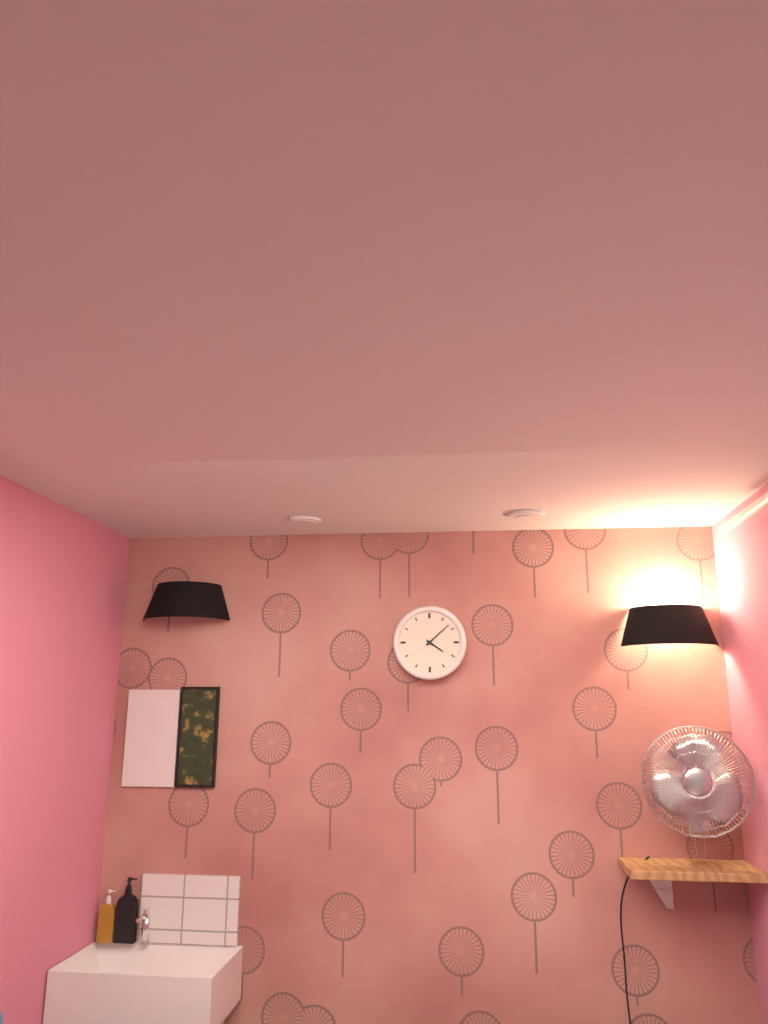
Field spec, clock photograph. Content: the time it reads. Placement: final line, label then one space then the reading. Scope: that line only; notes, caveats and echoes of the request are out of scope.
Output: 4:08
